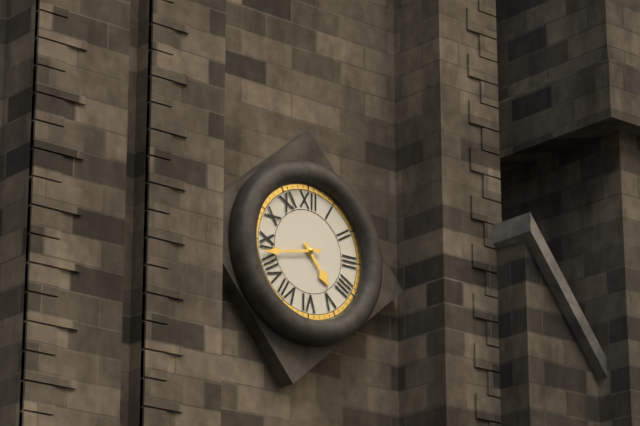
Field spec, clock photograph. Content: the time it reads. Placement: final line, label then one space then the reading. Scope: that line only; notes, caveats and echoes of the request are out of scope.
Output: 4:43
